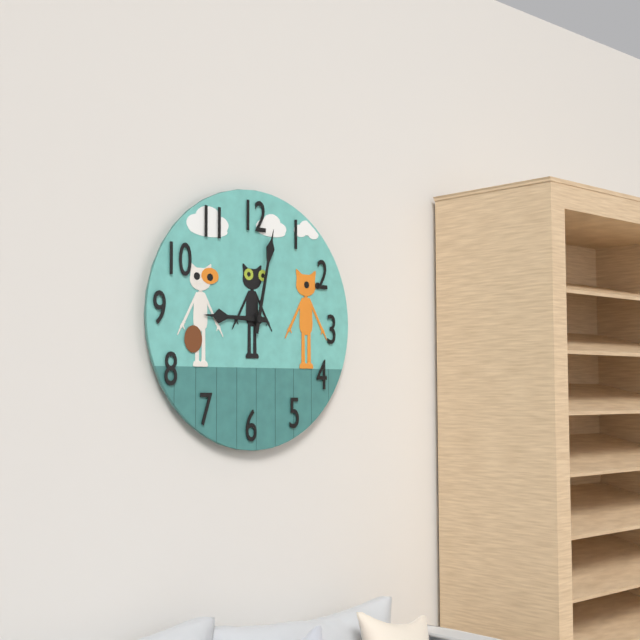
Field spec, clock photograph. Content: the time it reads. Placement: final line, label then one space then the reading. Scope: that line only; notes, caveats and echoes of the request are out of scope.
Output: 9:02
